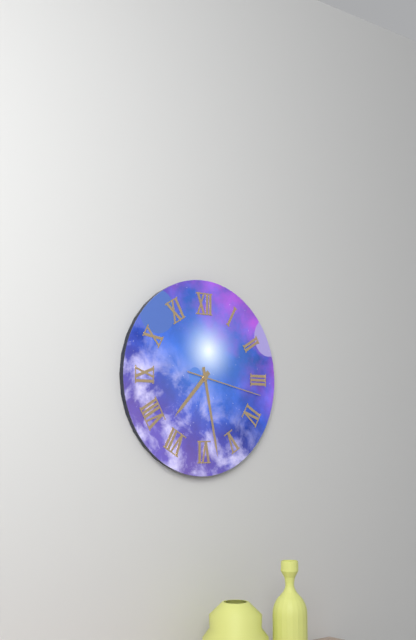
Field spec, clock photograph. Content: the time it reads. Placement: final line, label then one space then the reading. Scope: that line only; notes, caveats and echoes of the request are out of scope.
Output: 7:28:17
